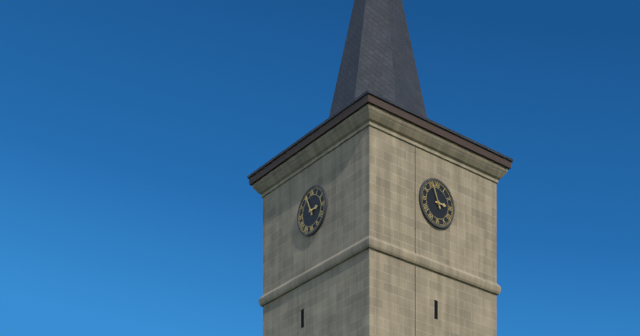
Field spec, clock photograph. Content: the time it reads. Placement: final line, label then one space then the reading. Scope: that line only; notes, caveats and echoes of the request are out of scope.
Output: 2:56
